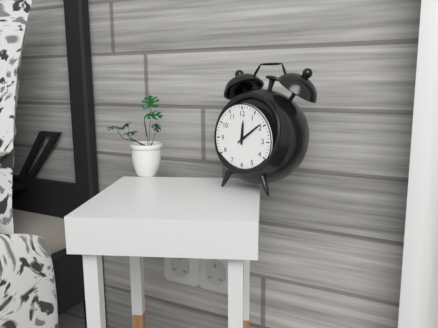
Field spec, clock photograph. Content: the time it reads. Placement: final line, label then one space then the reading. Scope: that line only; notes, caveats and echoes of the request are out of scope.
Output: 12:09
